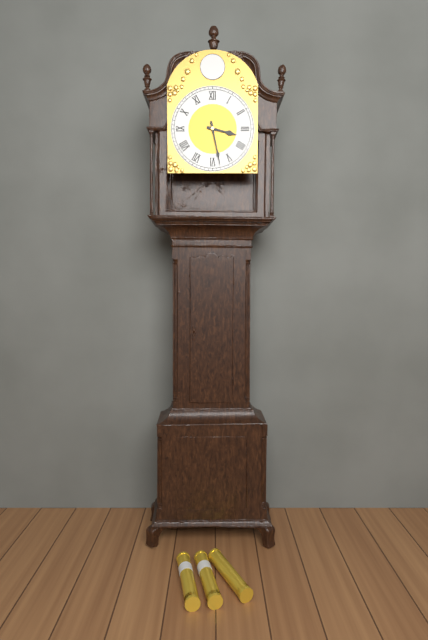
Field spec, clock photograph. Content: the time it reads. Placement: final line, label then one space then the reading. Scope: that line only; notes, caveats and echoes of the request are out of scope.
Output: 3:28
